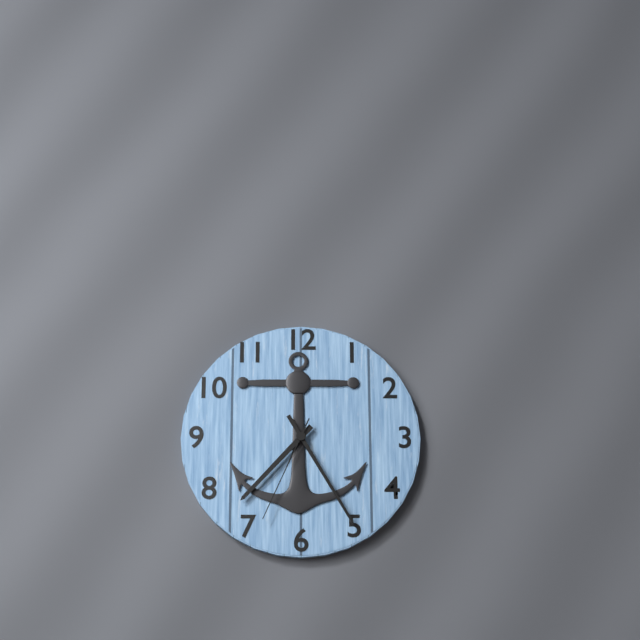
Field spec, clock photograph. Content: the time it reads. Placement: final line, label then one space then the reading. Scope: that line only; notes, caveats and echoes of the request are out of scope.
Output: 7:25:34
